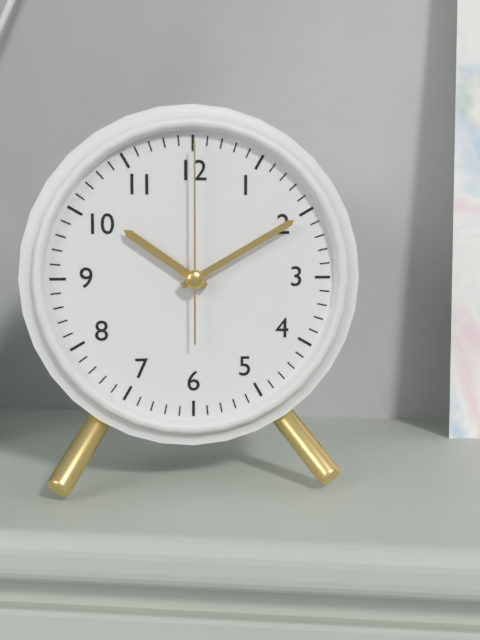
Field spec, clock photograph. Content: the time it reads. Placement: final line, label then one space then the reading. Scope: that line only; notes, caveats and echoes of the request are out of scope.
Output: 10:10:00
